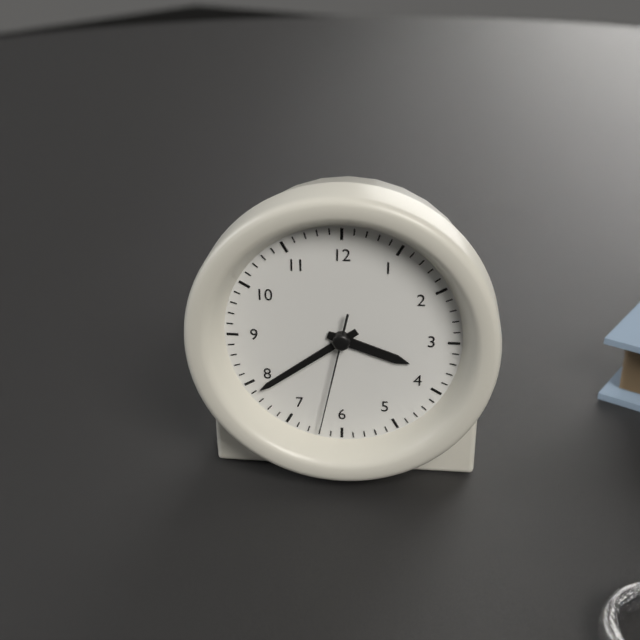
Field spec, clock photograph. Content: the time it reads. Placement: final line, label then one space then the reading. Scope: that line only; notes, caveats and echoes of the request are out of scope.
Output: 3:39:32
